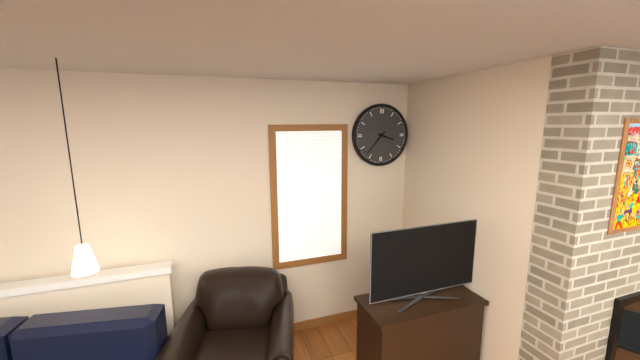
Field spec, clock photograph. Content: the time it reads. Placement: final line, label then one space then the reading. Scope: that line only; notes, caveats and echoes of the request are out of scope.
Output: 3:37
